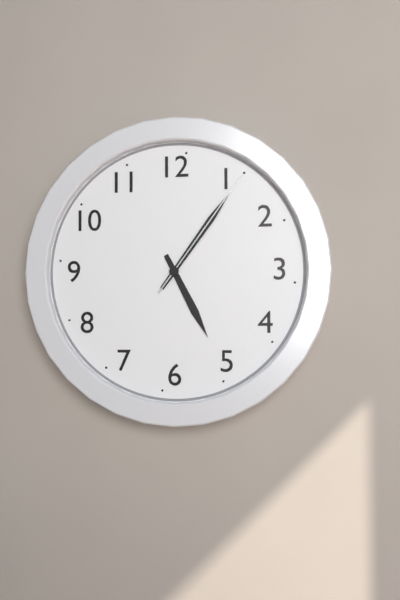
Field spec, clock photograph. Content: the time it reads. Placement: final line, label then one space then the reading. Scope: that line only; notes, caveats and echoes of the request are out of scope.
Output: 5:06:06
